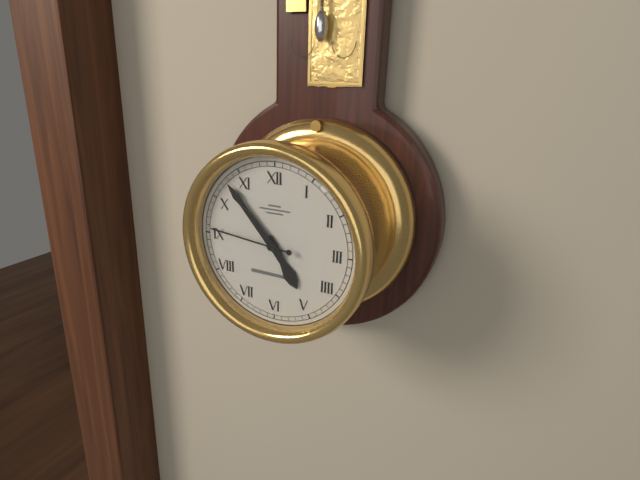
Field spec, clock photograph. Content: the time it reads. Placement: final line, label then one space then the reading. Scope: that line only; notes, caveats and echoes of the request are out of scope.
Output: 4:53:46
